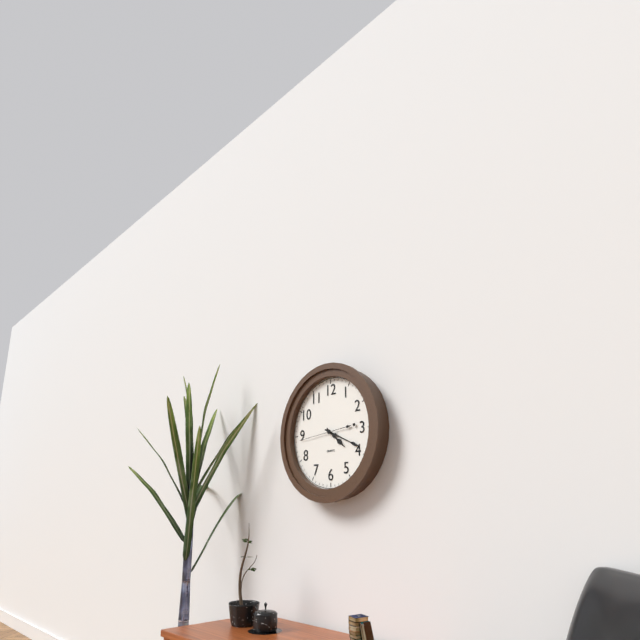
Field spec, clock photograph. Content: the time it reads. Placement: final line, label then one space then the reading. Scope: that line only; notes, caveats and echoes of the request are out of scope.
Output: 4:19
